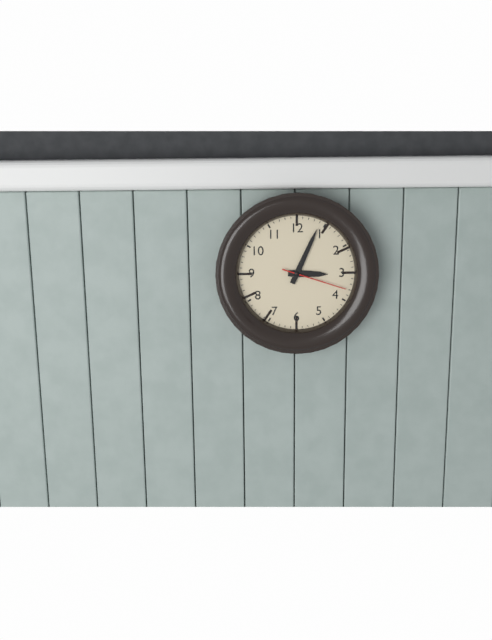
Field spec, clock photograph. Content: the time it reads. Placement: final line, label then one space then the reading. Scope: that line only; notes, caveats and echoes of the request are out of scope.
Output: 3:04:18
